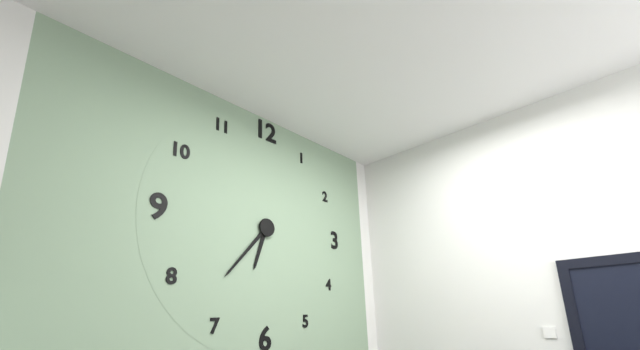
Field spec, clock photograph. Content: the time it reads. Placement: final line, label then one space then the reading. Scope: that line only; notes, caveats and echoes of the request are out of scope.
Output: 6:37
